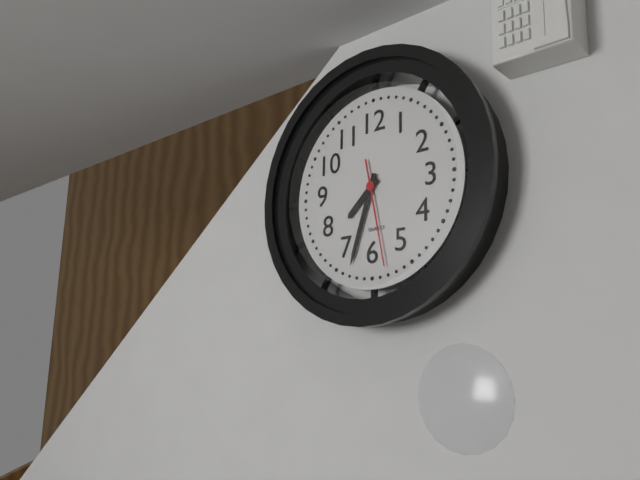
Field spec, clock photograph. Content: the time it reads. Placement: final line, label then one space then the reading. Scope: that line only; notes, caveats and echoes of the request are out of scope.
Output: 7:33:28
